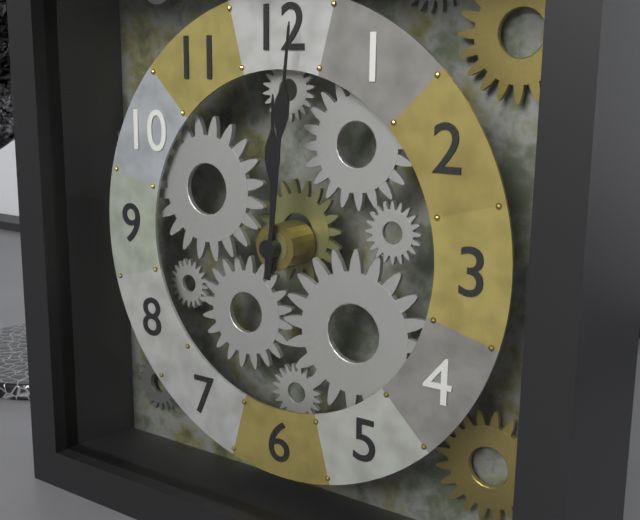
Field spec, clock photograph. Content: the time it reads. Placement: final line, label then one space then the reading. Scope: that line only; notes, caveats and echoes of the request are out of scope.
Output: 12:01
